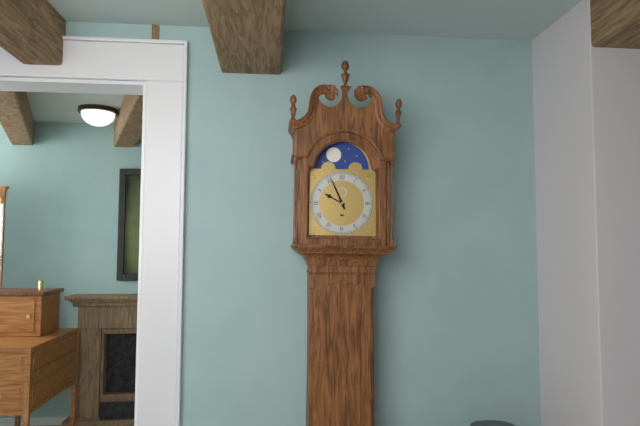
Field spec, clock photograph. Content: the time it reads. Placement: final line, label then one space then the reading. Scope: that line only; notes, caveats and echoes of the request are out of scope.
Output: 9:56
